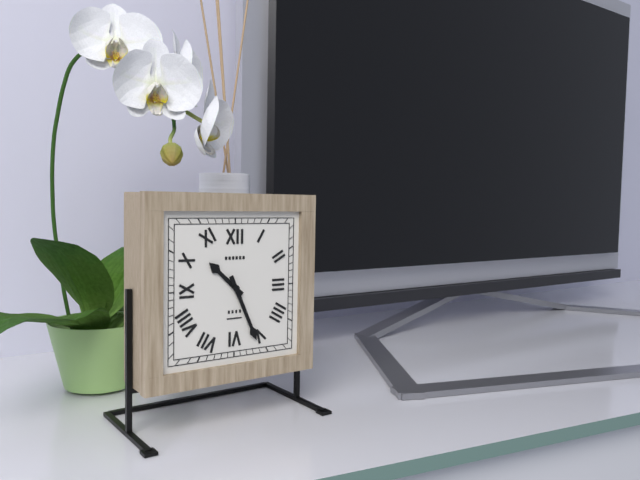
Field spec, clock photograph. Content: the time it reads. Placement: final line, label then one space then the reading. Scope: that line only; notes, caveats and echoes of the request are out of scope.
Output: 10:26
